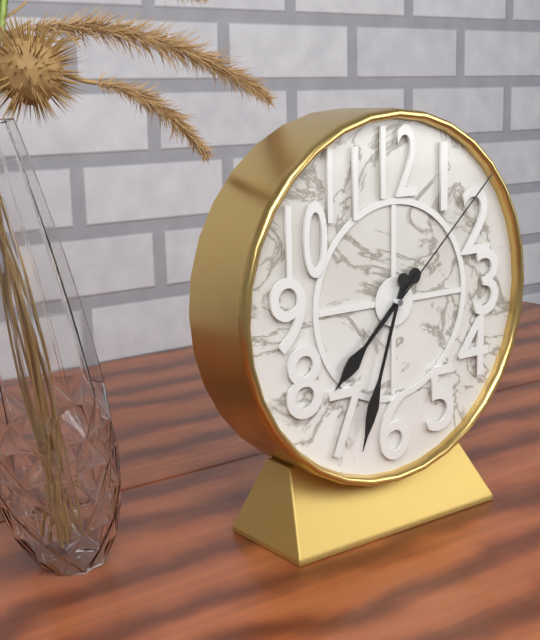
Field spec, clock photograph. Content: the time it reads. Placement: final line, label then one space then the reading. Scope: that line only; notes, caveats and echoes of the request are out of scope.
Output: 7:33:08
